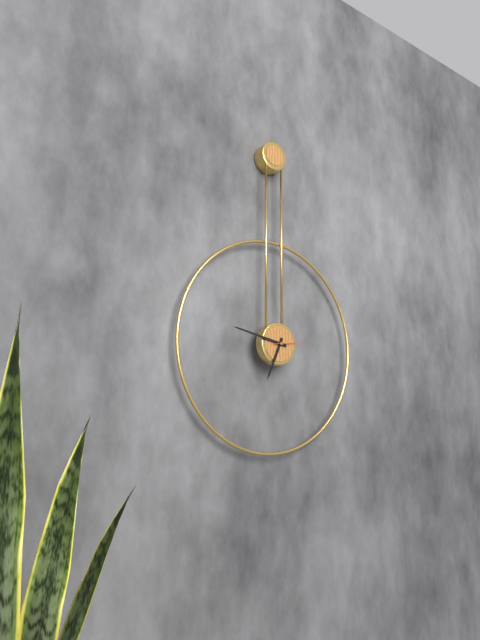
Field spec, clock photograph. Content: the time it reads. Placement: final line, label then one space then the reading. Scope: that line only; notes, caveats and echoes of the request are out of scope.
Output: 6:47
